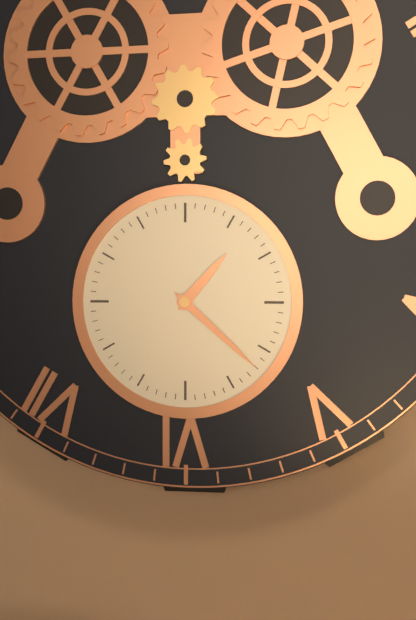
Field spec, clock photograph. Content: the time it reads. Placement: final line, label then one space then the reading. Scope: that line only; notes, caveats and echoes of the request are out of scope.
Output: 1:22
